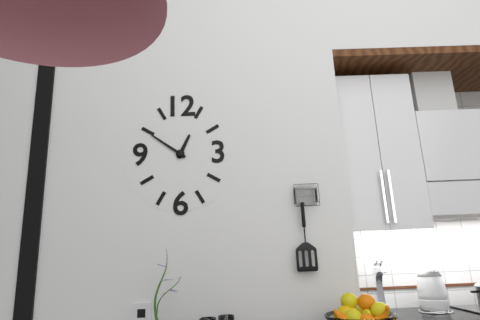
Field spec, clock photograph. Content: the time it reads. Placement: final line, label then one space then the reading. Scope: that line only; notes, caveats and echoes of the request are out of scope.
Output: 12:51
